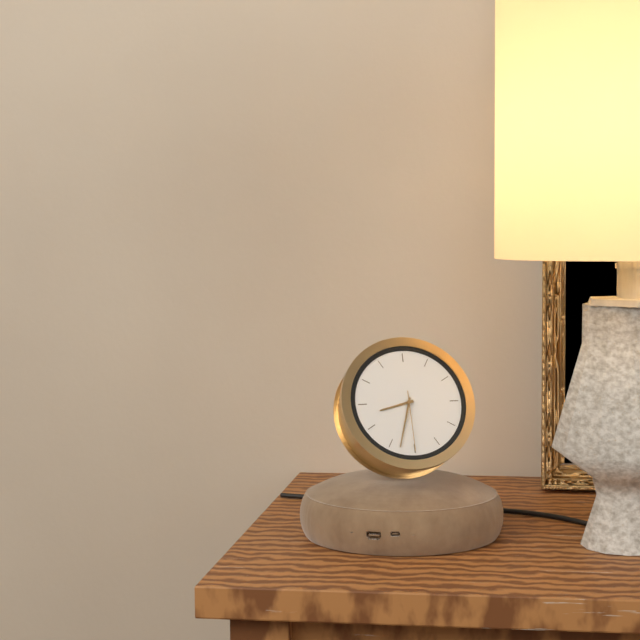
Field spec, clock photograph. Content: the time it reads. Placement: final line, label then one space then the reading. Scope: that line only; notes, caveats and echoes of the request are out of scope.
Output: 8:33:30
